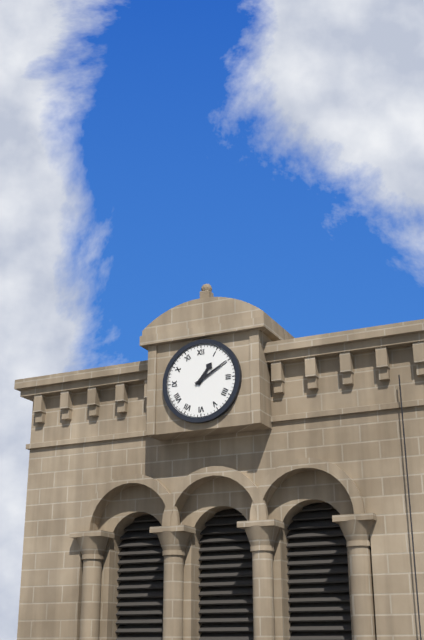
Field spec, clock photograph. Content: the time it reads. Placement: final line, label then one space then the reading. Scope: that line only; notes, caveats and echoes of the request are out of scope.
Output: 1:10
